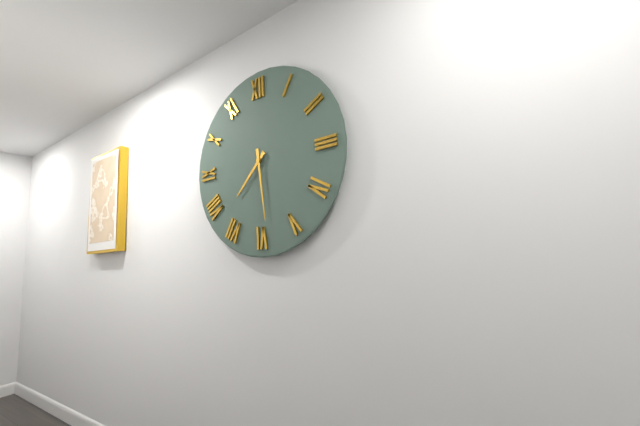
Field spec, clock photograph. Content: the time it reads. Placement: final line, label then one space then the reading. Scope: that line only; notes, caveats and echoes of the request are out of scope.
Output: 7:29
